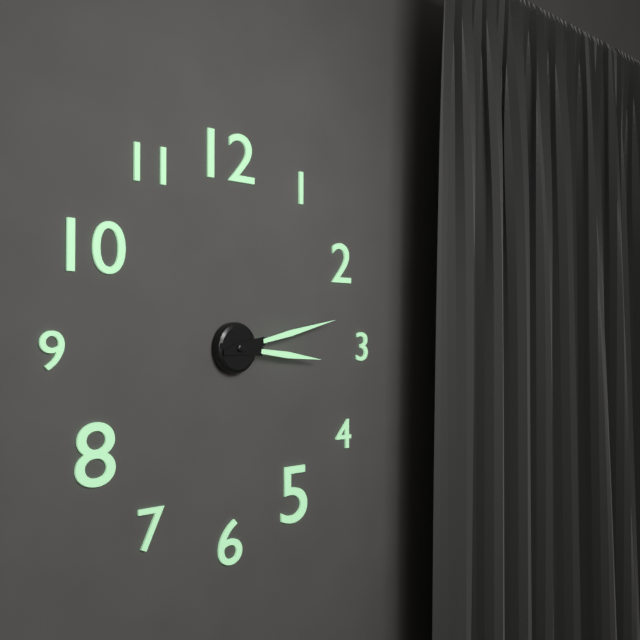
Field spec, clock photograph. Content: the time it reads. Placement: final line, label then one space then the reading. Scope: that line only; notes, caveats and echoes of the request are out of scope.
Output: 3:13
